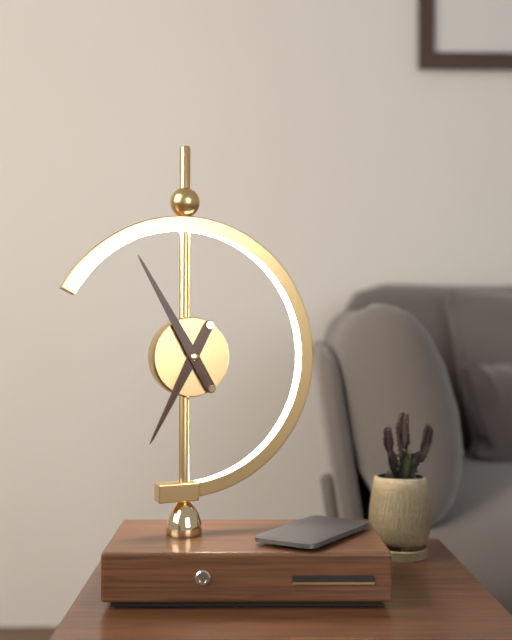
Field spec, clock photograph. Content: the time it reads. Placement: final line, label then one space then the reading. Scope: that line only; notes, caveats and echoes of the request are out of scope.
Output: 6:55
